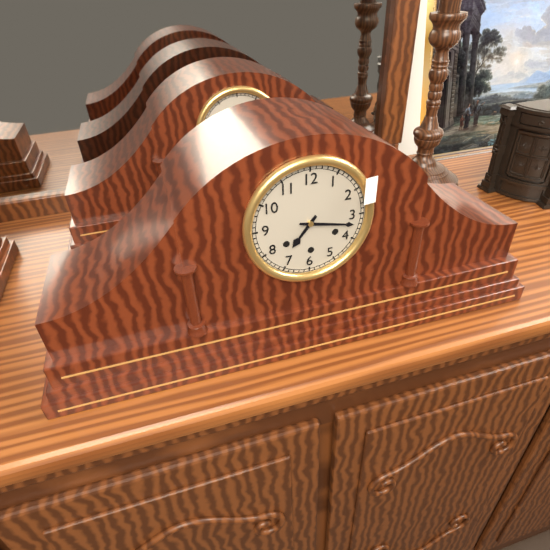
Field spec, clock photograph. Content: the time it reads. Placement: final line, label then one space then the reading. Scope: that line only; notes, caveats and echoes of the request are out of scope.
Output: 7:17
